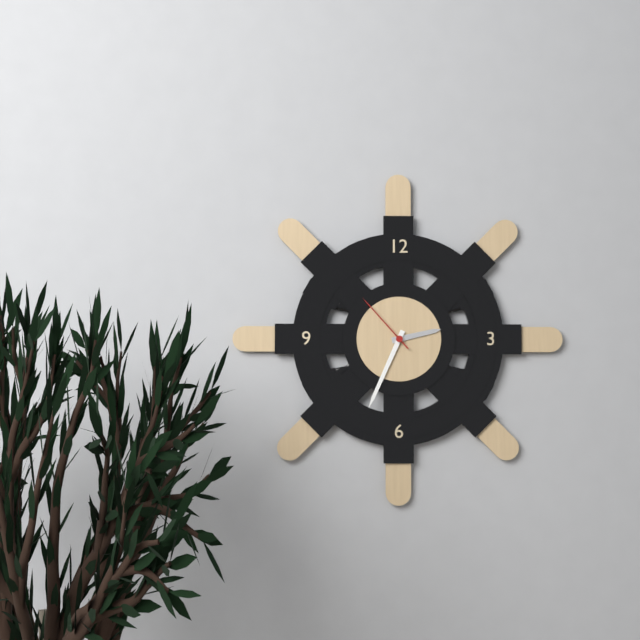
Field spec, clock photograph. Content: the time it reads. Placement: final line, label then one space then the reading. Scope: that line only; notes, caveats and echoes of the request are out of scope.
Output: 2:34:53
